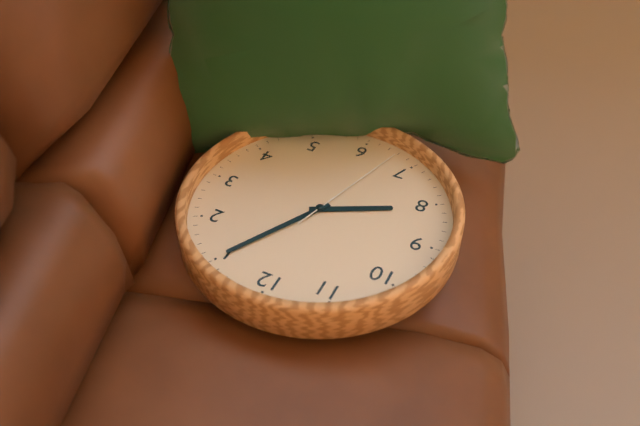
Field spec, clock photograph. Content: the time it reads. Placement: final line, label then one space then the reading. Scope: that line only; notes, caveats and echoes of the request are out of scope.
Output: 8:05:33
